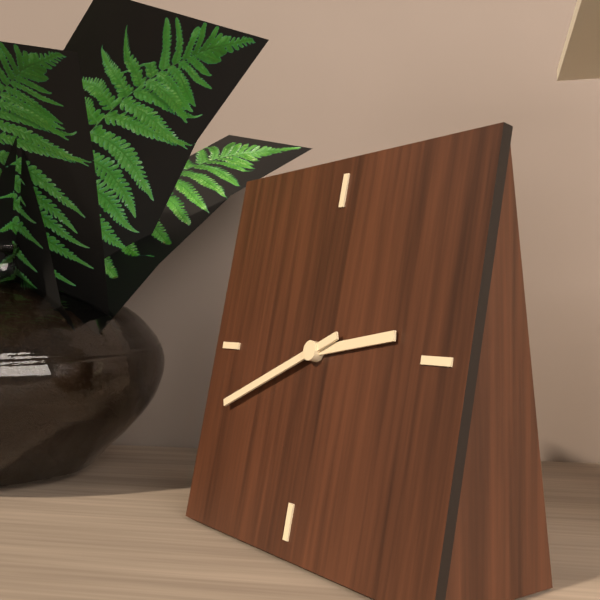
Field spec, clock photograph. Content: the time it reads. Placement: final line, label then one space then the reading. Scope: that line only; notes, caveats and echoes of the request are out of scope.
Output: 2:41
